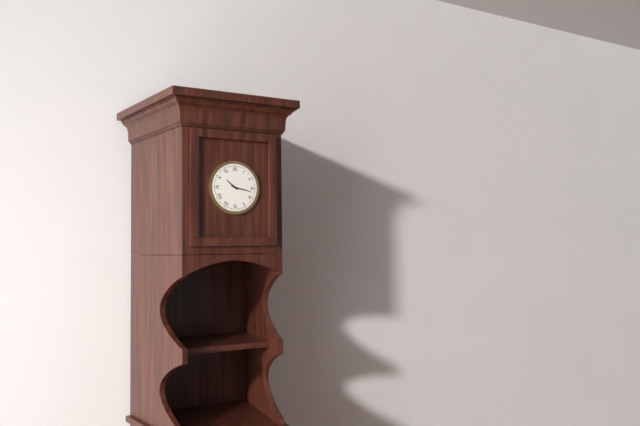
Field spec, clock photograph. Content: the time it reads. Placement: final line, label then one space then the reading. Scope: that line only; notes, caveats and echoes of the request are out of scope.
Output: 10:17
